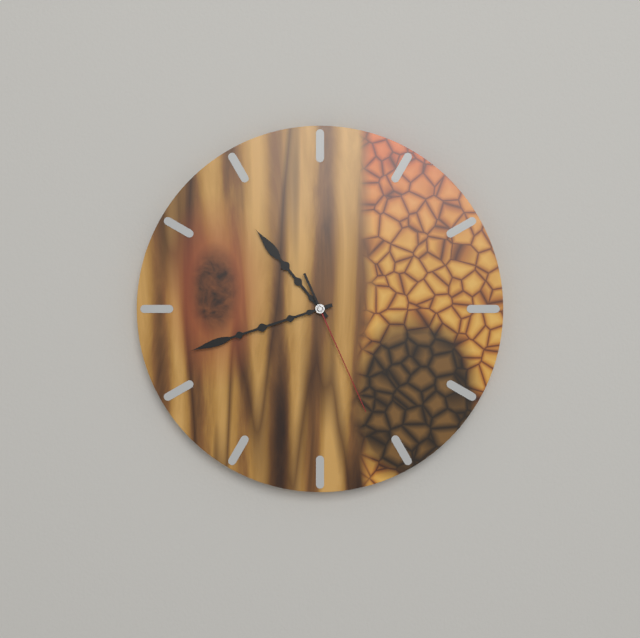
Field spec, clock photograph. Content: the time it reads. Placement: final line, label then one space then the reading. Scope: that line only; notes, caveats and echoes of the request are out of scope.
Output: 10:42:26
